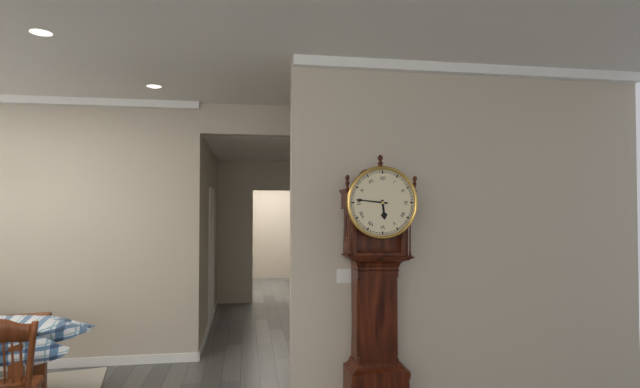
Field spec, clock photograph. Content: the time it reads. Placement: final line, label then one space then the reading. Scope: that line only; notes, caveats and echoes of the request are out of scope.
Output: 5:46
